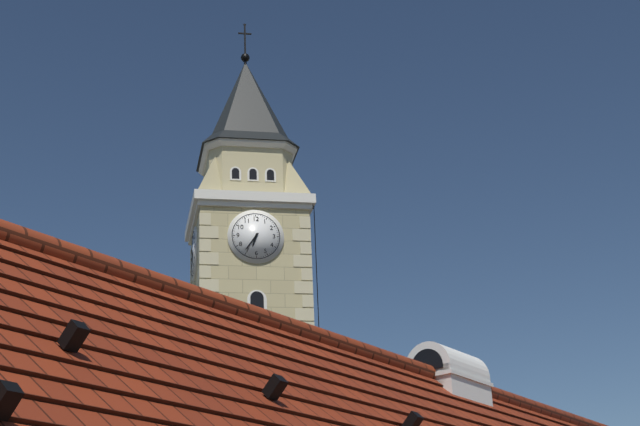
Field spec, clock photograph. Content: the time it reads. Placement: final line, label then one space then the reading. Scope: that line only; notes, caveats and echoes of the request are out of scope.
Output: 6:36
